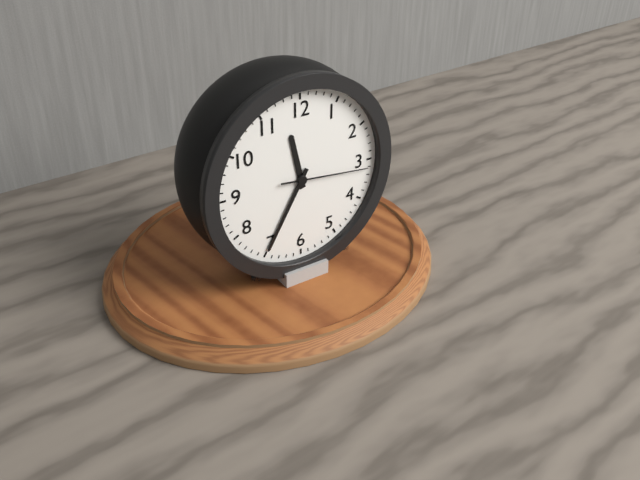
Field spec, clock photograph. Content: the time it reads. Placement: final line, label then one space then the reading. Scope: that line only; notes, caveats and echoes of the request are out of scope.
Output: 11:35:16
